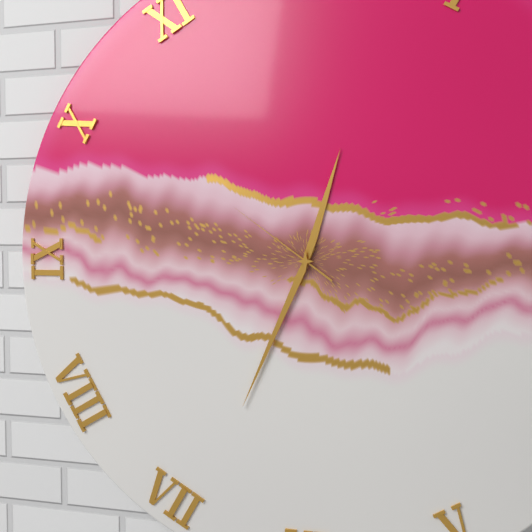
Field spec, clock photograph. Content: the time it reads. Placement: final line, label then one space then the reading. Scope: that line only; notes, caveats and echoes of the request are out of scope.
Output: 12:34:51
